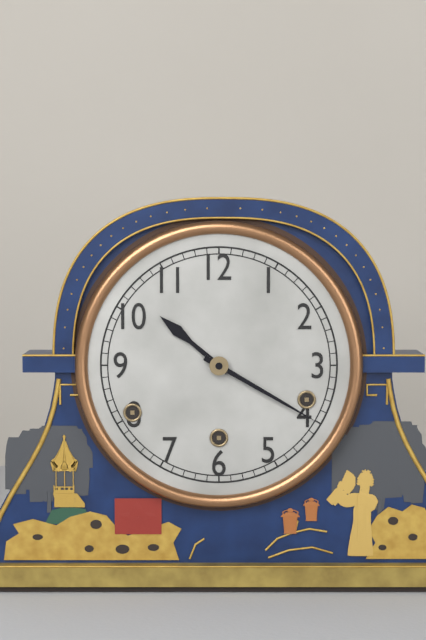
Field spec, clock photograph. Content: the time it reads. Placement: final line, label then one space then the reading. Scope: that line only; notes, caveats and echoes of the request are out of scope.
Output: 10:20
